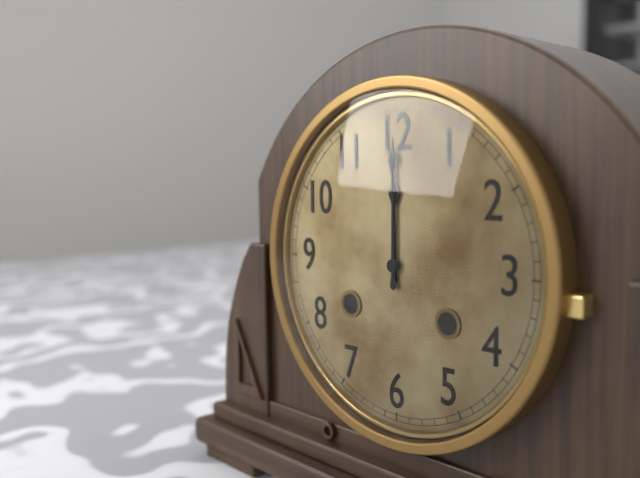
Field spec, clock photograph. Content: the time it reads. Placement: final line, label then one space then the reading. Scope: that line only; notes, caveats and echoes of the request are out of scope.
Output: 12:00
